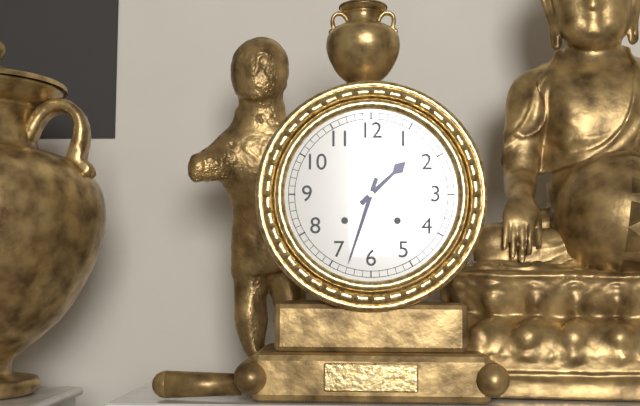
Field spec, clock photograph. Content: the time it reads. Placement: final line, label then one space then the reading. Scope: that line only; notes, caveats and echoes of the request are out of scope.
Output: 1:33
